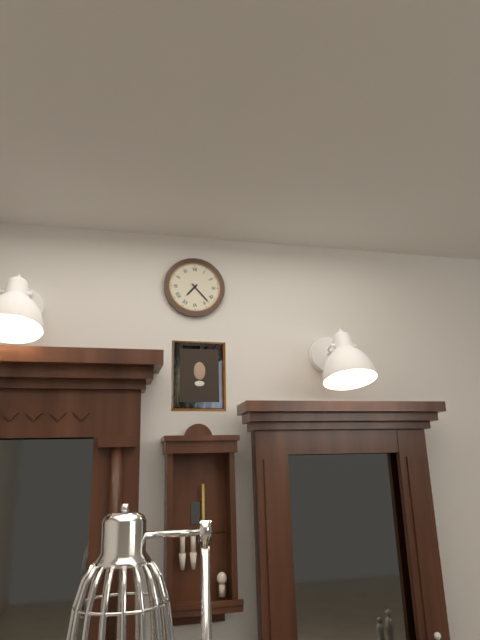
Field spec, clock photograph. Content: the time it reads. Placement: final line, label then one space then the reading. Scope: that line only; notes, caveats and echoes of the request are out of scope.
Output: 7:23
